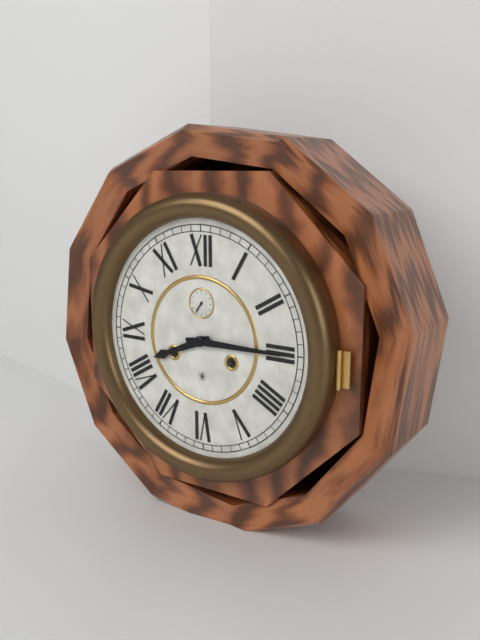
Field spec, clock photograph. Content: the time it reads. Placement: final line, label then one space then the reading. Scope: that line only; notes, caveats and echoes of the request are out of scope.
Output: 8:15
